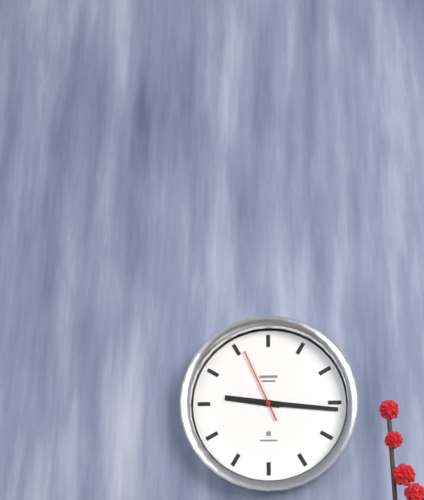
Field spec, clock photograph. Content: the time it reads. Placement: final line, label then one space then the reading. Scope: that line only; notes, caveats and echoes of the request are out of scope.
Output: 9:16:56
